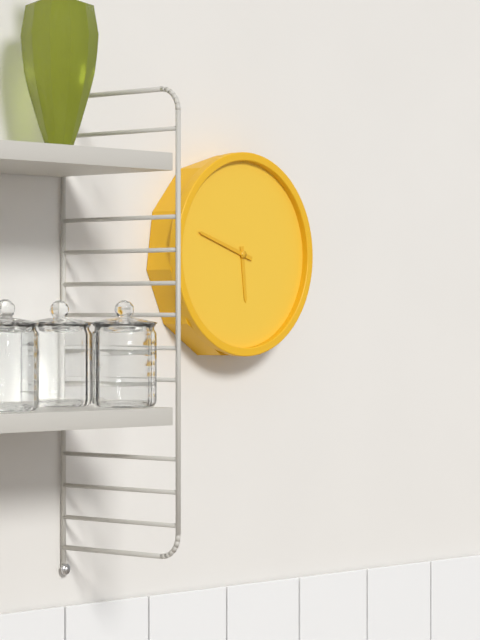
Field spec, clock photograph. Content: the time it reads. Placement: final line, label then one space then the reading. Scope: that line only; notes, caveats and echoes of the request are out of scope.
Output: 5:48
